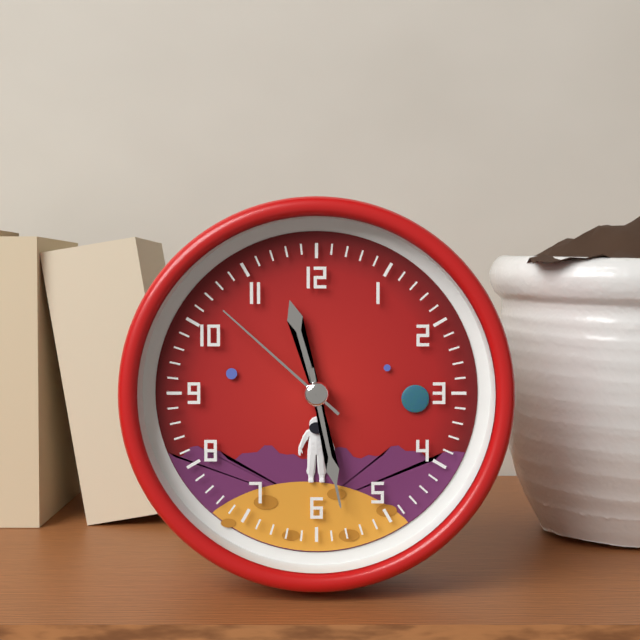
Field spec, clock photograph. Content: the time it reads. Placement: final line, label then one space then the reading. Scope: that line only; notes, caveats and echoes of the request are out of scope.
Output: 11:28:52
